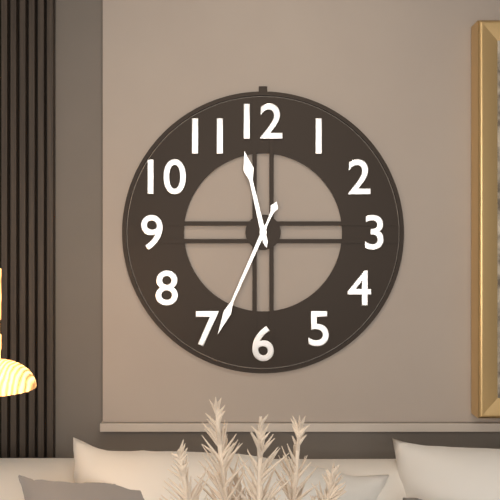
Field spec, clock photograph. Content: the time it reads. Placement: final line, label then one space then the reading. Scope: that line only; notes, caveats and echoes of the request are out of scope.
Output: 11:34
